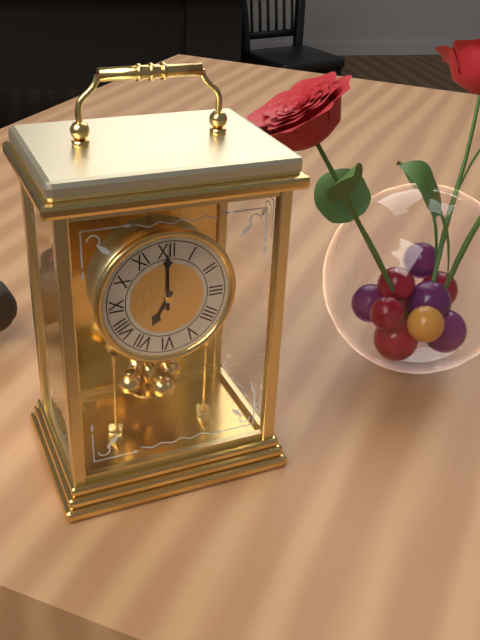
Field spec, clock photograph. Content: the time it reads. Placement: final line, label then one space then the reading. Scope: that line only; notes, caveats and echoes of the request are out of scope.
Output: 7:00
